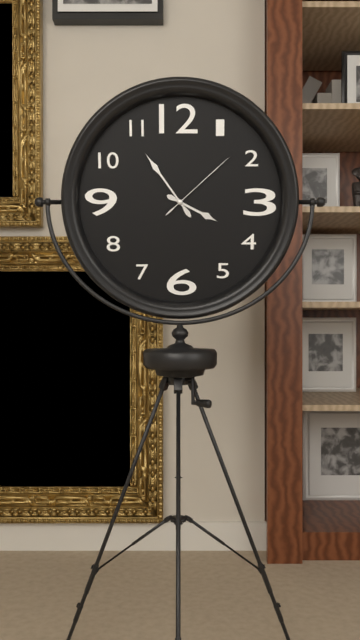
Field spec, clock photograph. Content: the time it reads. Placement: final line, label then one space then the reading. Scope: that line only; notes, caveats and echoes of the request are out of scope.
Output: 3:54:08
